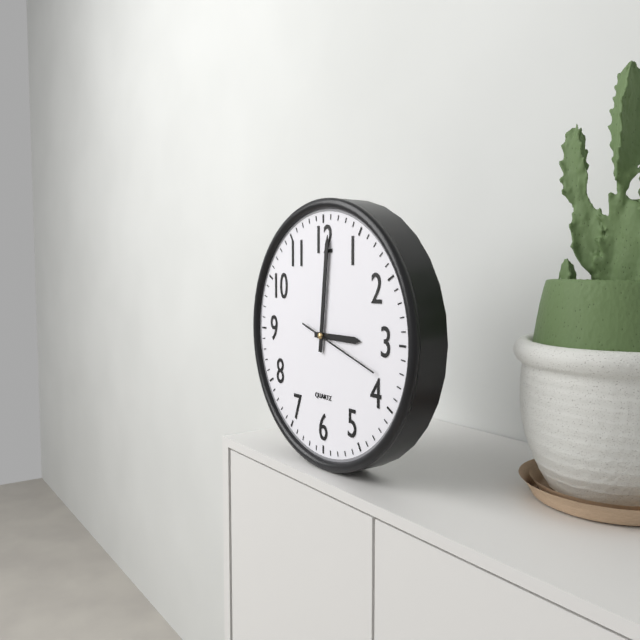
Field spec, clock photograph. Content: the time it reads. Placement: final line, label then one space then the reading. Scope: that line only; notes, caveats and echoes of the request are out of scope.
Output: 3:01:18
